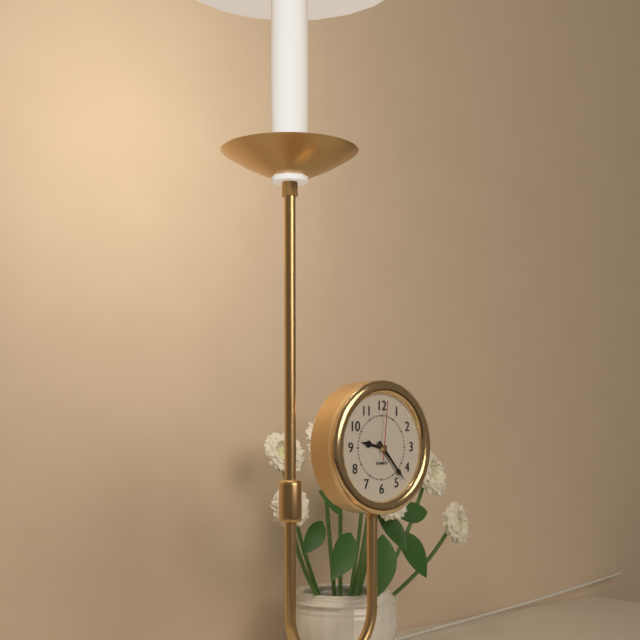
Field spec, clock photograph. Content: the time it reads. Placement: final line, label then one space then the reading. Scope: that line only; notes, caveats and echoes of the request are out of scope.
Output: 9:23:01
